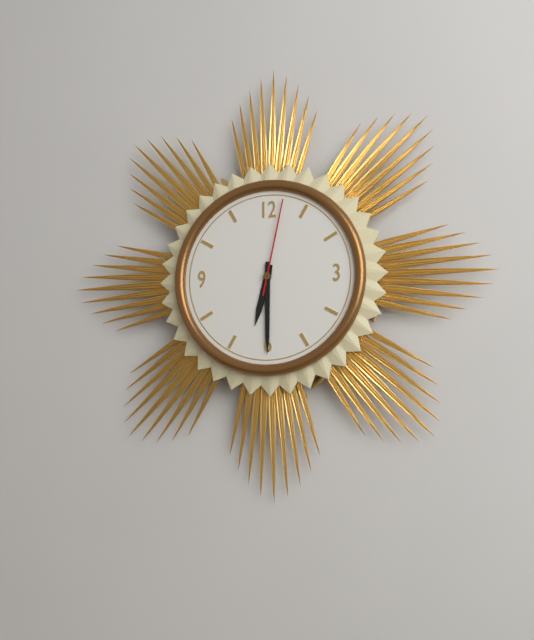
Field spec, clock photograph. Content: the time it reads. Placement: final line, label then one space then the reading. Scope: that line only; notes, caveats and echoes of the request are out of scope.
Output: 6:30:02
